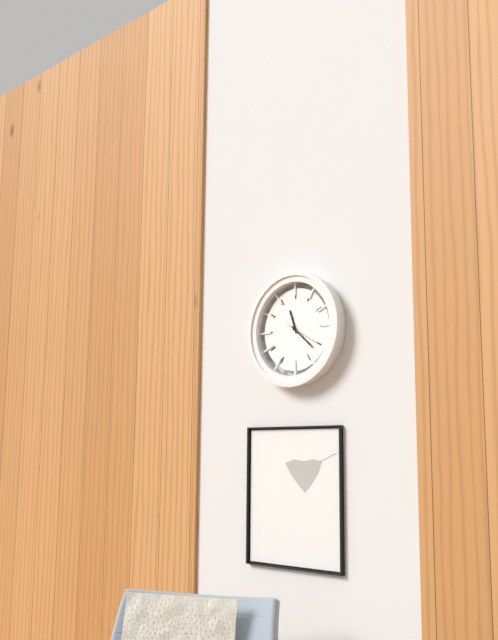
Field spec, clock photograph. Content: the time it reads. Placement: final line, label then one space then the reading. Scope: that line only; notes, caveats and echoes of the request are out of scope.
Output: 11:22
